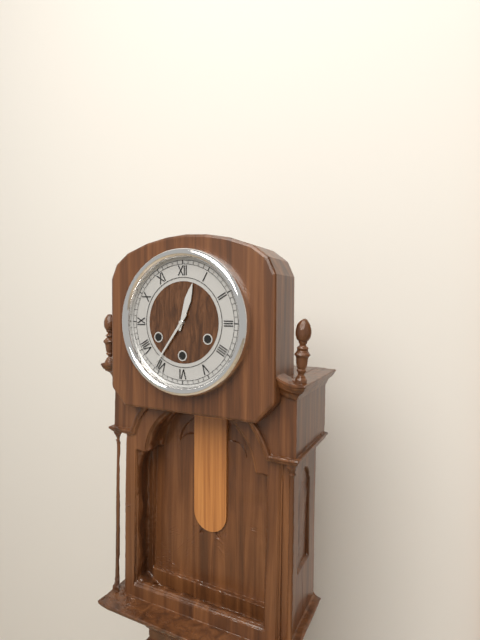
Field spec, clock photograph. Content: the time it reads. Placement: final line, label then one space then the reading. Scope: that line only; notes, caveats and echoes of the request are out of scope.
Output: 12:36
